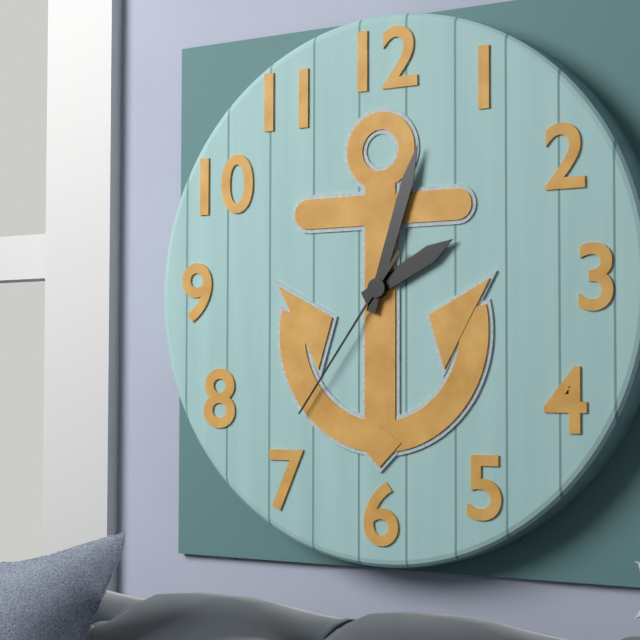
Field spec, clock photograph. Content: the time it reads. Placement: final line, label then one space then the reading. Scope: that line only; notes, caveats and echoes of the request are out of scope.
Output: 2:03:36
